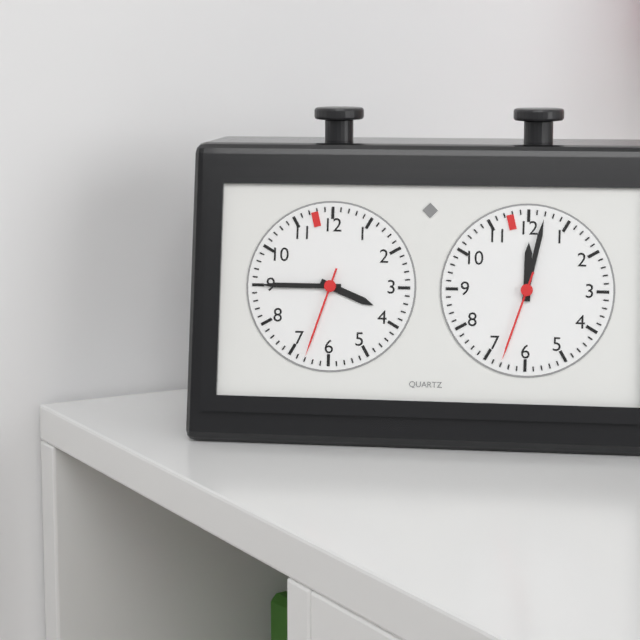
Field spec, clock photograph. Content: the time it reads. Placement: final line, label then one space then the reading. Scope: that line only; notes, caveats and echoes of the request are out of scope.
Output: 3:45:33
